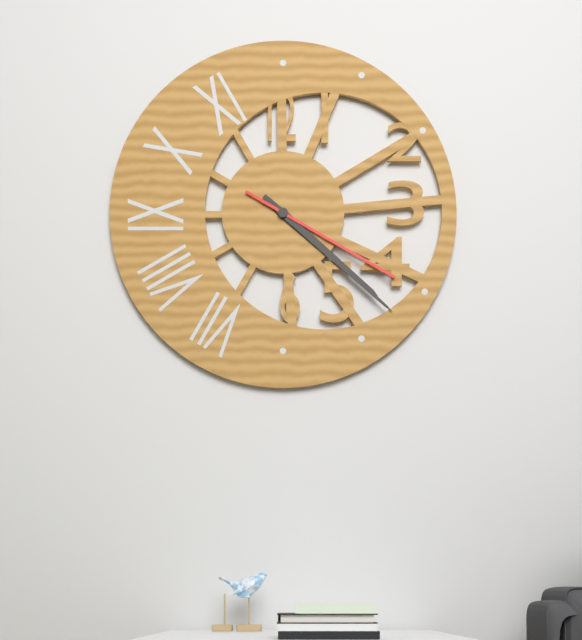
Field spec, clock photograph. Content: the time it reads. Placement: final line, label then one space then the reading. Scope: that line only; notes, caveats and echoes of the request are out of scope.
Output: 4:22:20
